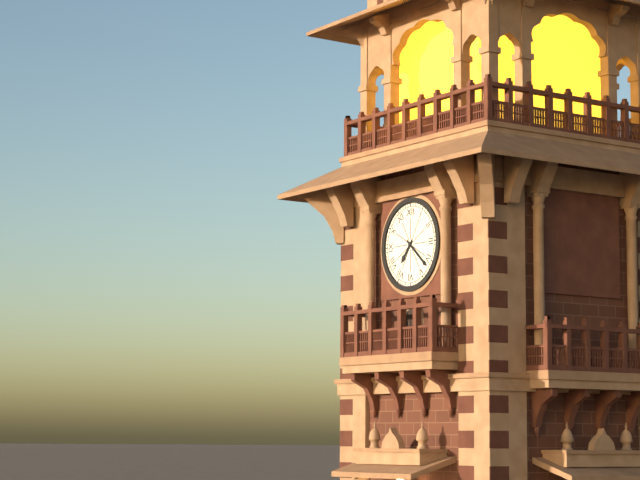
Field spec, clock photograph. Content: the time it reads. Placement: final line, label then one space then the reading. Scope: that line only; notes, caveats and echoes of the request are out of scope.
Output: 7:22
